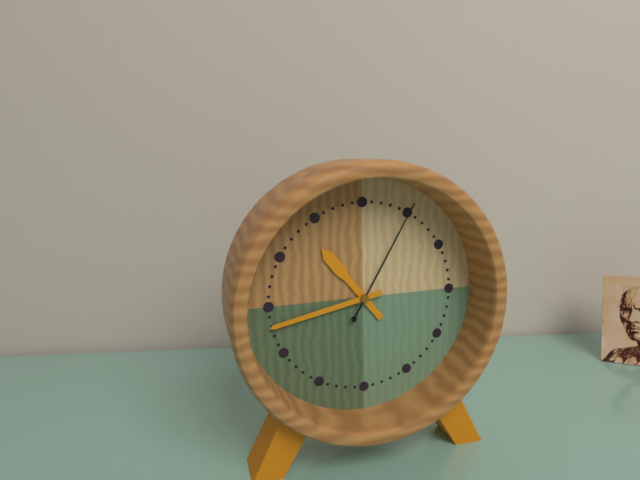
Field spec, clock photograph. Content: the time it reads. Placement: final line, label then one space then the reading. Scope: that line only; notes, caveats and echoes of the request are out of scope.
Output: 10:43:05
